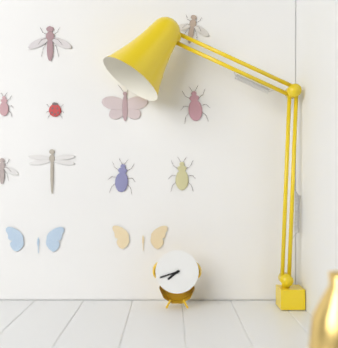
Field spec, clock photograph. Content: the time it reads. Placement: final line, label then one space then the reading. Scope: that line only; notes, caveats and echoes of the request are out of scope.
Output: 7:42
